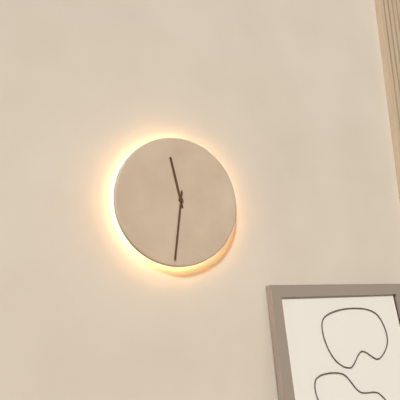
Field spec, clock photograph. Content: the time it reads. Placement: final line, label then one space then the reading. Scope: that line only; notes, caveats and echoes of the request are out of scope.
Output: 11:31
